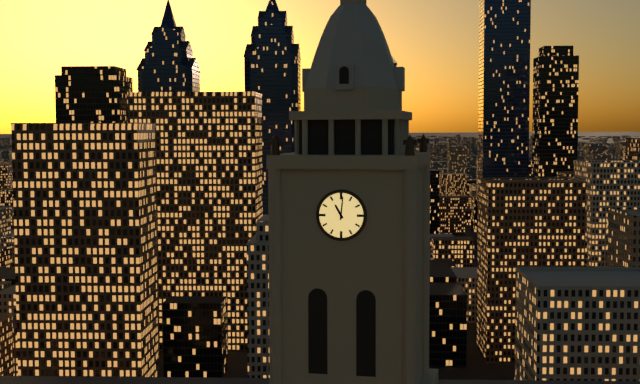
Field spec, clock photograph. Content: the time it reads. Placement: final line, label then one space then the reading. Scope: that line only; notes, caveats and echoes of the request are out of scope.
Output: 11:01
